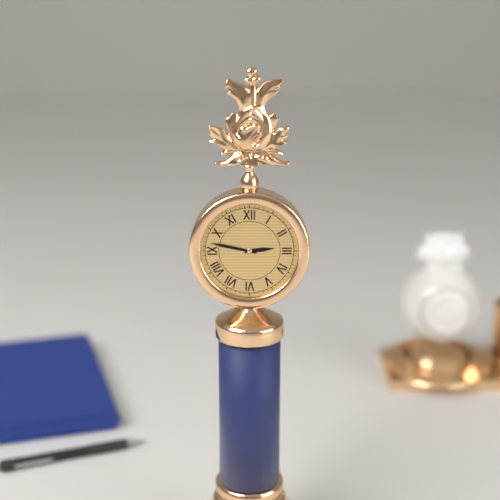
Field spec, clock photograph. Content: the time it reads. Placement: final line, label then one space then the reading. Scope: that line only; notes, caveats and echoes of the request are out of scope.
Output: 2:47
